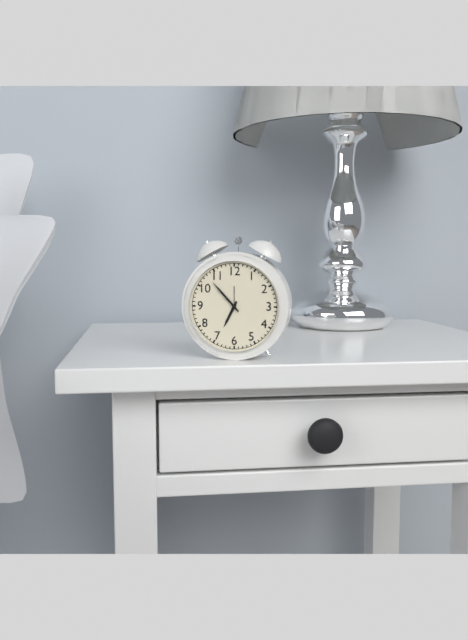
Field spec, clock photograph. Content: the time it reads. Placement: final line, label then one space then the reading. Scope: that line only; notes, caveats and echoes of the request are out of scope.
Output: 6:53
